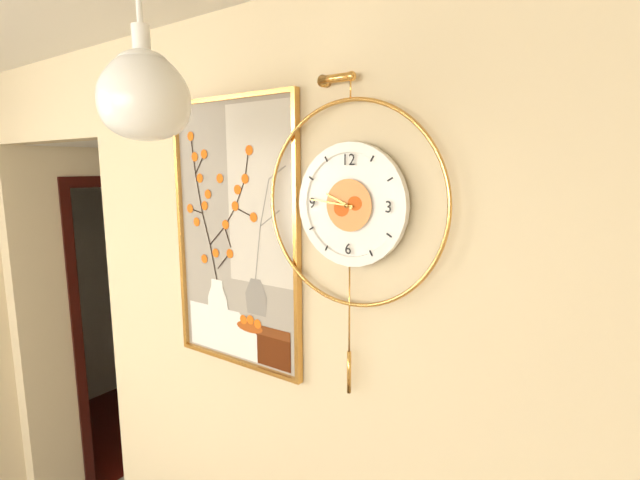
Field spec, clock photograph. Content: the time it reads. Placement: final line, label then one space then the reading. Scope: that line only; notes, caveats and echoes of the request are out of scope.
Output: 9:46
